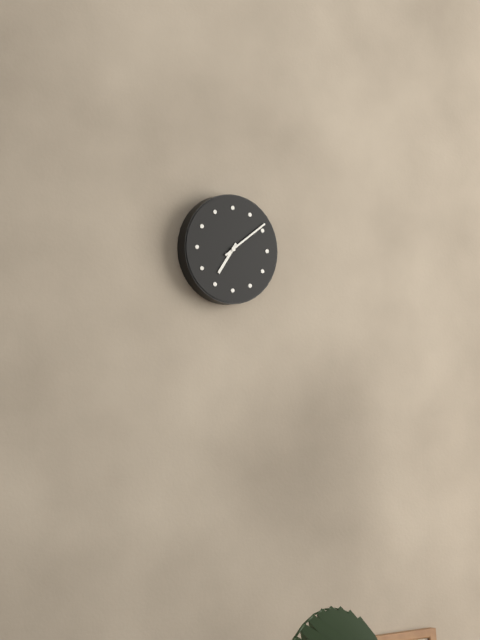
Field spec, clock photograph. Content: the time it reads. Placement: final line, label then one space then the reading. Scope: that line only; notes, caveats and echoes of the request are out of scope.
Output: 7:09
